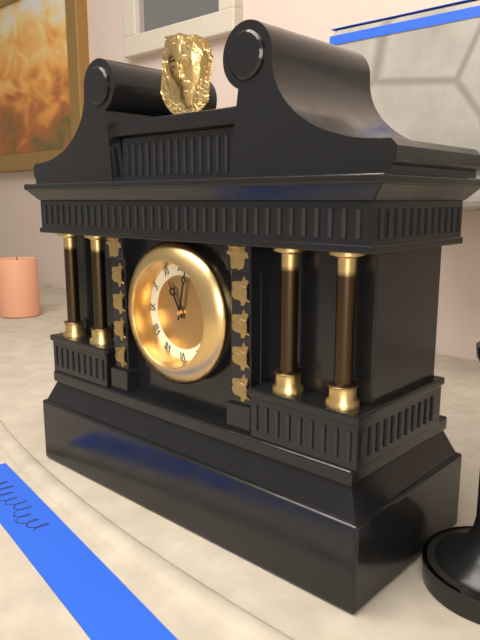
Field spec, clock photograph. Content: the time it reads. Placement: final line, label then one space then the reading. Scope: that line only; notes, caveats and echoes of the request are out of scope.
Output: 11:02
